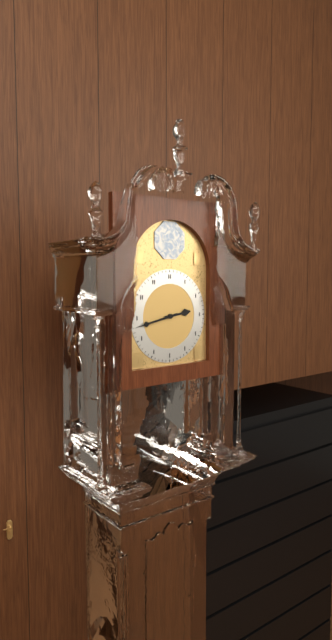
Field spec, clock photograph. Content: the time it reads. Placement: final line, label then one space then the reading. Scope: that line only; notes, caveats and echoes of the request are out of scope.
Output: 2:43
